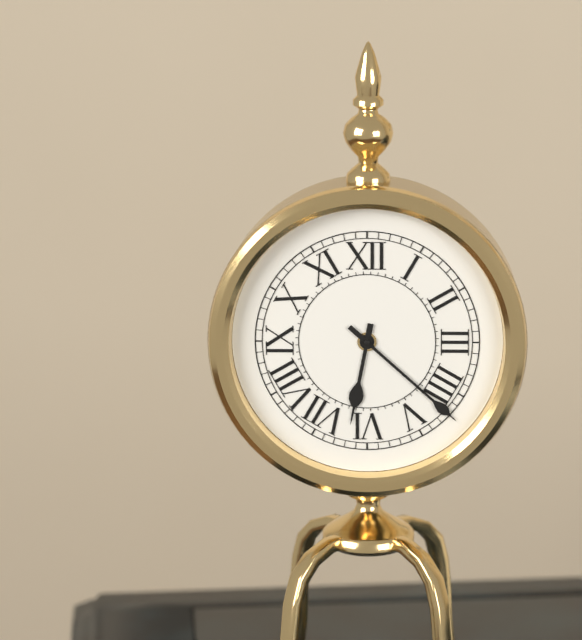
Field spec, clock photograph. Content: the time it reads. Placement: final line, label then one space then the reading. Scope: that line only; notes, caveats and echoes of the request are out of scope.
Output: 6:22
